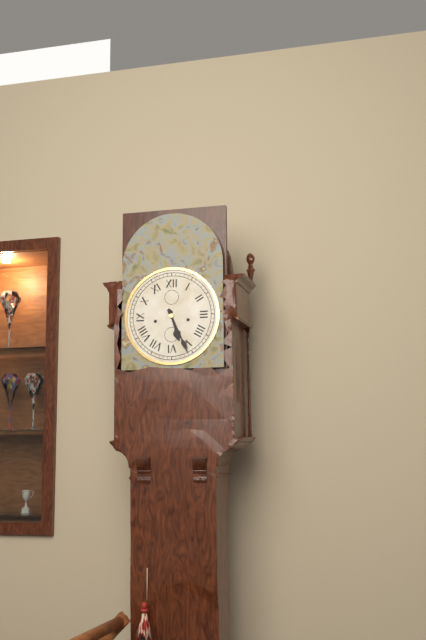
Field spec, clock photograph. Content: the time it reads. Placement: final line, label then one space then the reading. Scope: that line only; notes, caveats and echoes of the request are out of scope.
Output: 5:26
